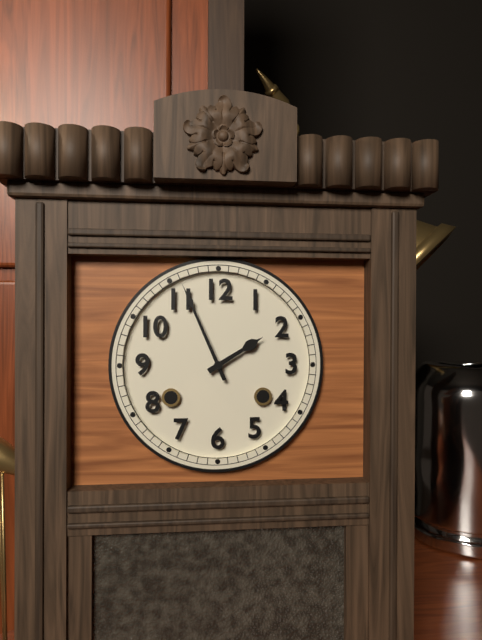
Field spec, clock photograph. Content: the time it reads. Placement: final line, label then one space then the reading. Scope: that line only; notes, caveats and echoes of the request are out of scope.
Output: 1:56
